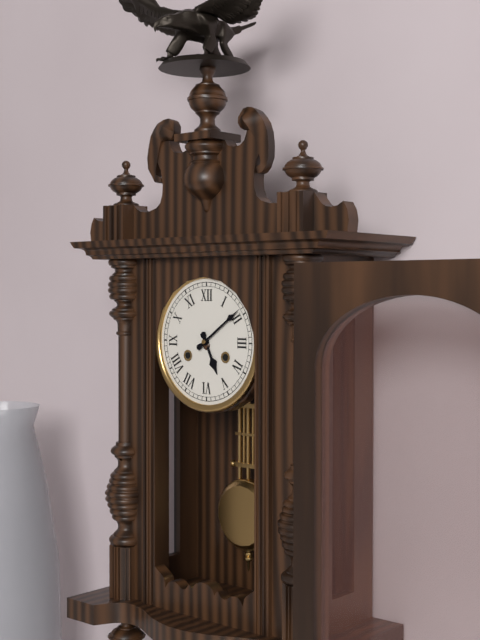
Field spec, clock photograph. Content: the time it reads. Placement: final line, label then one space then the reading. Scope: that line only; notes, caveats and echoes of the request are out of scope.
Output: 5:09
